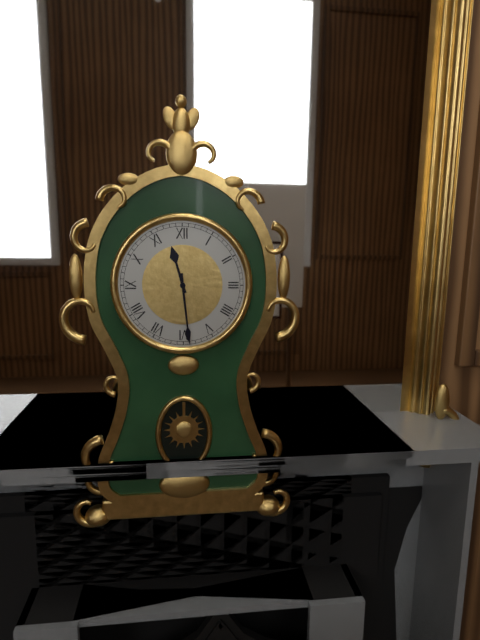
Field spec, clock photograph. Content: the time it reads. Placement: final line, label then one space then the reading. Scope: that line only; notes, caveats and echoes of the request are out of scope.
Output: 11:29
